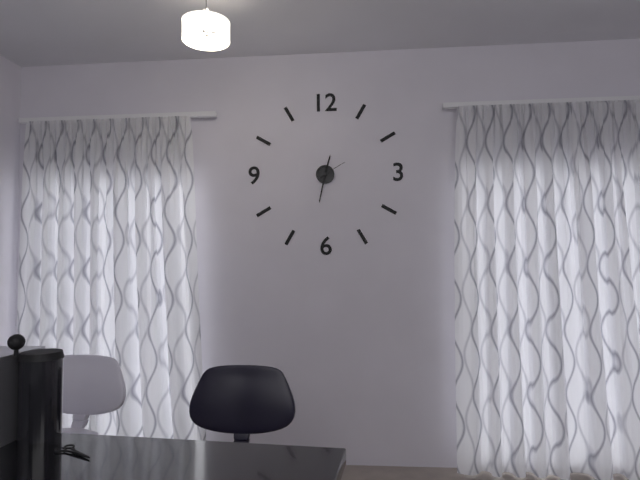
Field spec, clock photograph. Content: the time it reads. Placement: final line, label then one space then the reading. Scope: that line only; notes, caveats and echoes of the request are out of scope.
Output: 12:32
